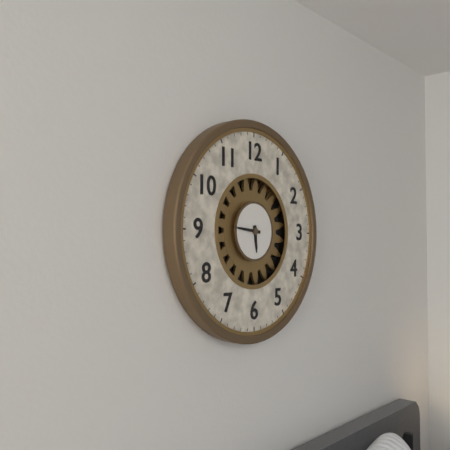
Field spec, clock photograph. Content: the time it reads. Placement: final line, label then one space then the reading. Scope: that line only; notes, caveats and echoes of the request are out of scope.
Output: 5:46
